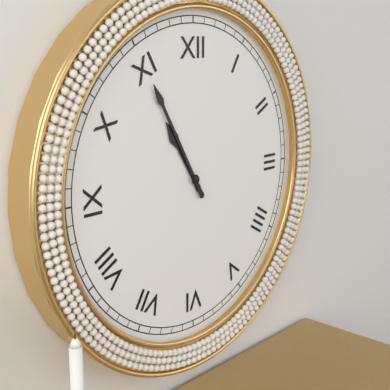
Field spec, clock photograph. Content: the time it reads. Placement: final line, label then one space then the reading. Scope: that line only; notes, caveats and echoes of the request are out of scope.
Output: 10:55
